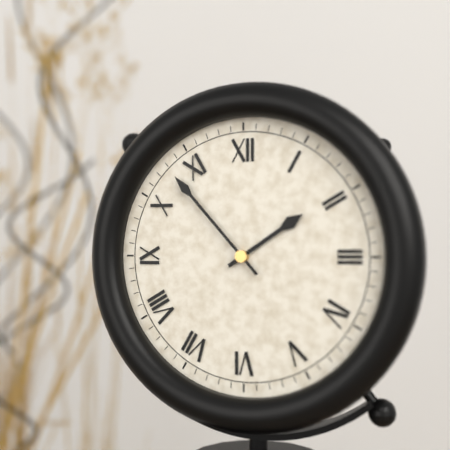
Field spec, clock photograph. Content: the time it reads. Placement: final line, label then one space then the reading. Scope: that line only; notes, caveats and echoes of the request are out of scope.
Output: 1:53
